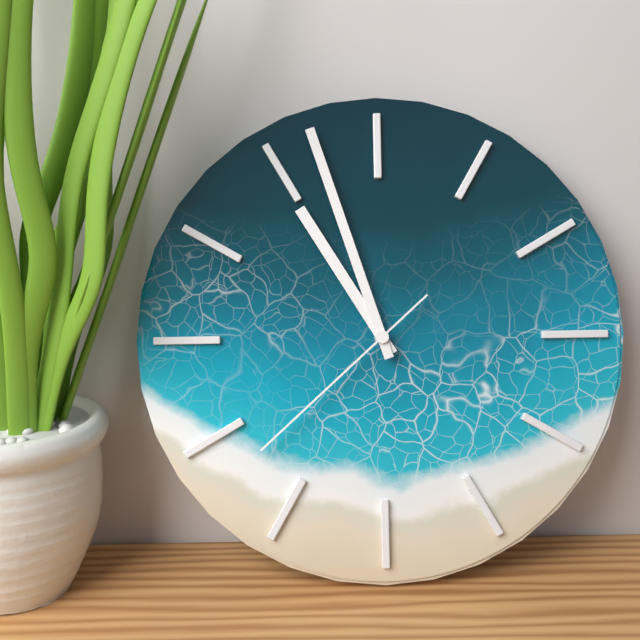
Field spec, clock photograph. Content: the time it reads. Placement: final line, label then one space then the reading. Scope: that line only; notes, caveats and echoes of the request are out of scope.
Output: 10:57:38
